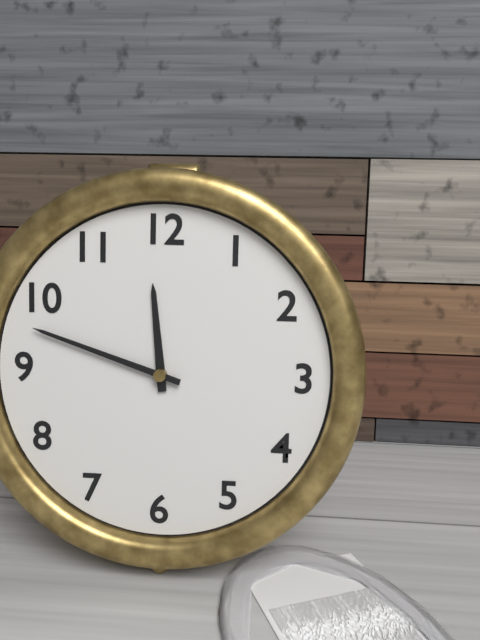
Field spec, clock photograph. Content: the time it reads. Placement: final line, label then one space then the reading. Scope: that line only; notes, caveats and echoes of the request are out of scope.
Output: 11:48
